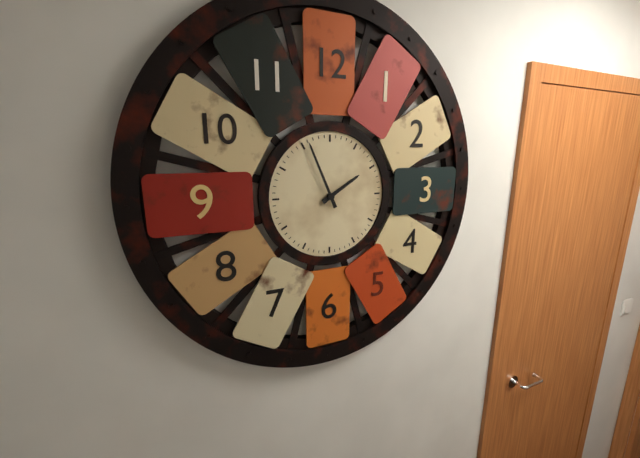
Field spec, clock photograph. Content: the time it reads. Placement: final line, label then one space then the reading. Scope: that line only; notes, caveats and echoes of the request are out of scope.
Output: 1:56
